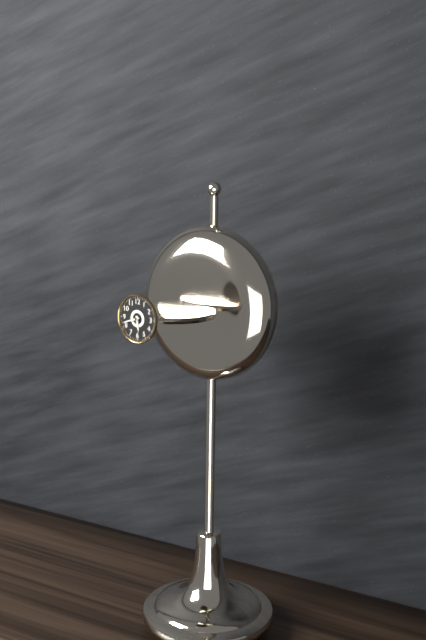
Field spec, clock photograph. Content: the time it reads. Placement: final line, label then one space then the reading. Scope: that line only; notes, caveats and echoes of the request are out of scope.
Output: 5:42
